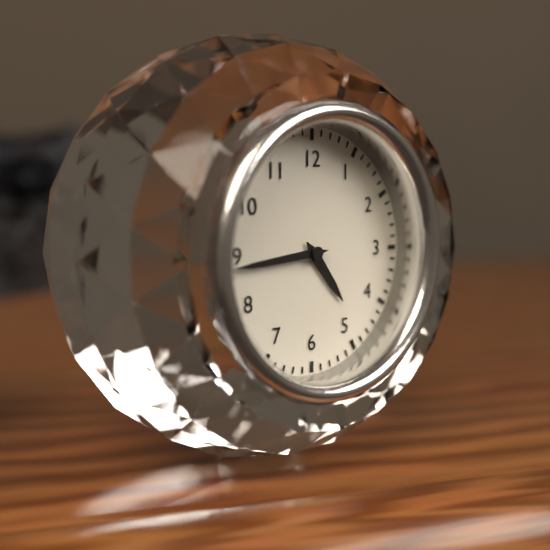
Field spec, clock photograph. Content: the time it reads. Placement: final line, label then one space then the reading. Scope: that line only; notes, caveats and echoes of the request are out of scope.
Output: 4:44
